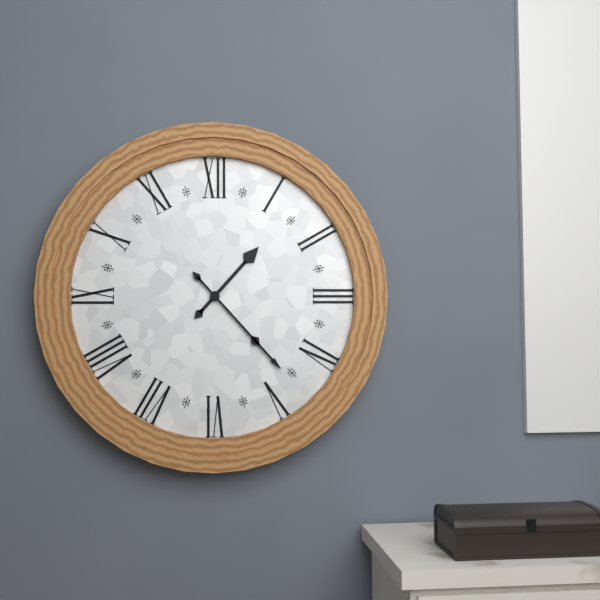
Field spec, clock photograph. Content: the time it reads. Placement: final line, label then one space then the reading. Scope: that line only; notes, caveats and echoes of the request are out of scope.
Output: 1:23
